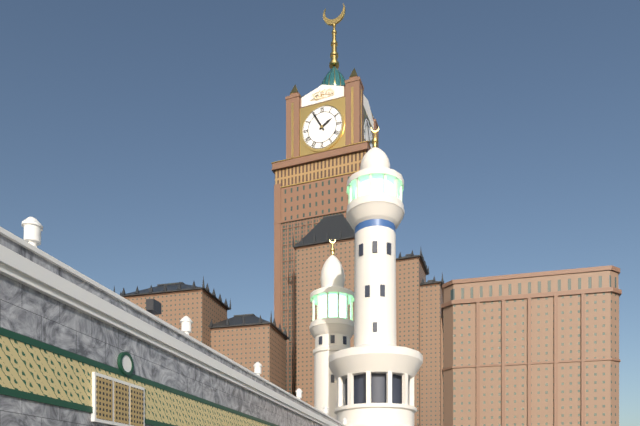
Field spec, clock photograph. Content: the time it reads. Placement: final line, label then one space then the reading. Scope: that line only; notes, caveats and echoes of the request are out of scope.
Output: 1:55
